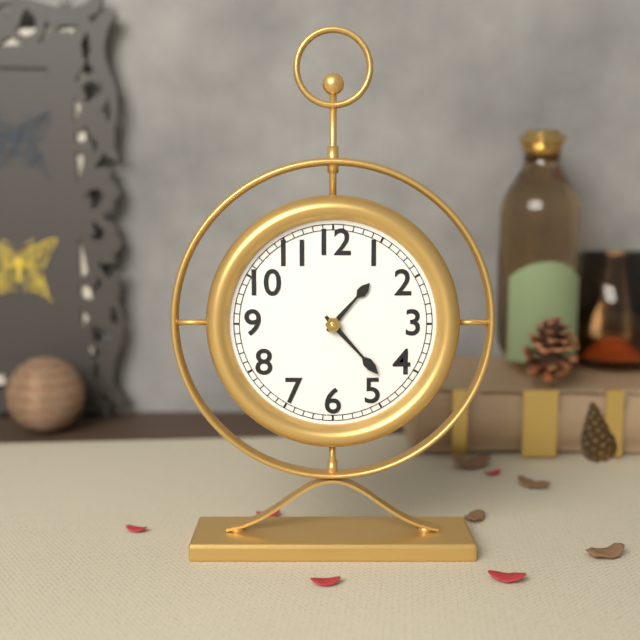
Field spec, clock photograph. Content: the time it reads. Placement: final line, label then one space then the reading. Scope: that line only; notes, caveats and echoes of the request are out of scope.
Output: 1:23
